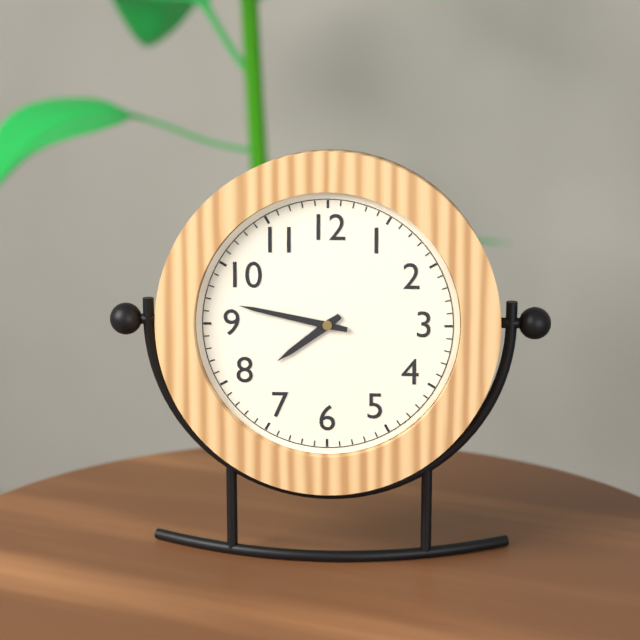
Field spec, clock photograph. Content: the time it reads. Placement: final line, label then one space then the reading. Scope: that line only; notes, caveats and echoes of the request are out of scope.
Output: 7:47
